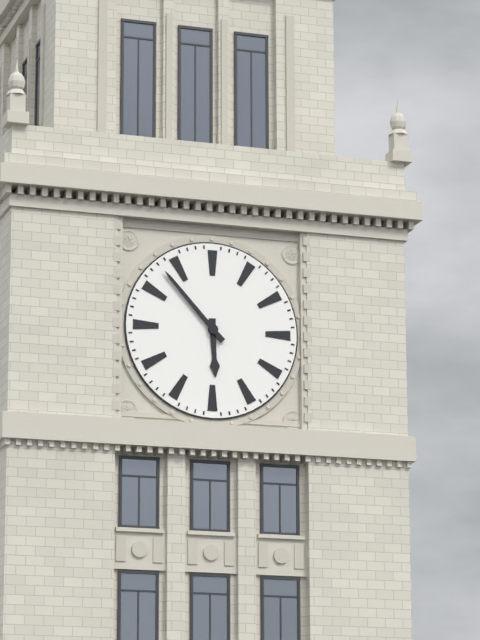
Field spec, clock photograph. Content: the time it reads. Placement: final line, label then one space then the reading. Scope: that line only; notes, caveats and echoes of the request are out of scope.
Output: 5:53
